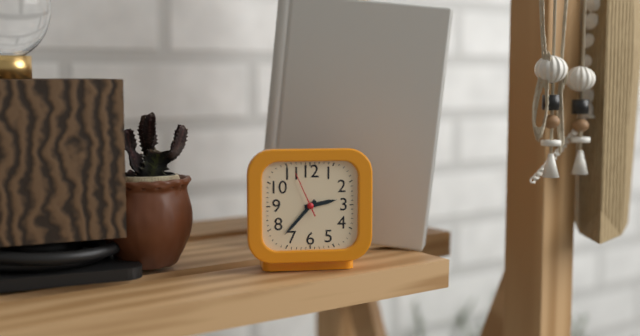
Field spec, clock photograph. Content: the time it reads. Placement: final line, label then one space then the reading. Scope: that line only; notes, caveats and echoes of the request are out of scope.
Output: 2:37
